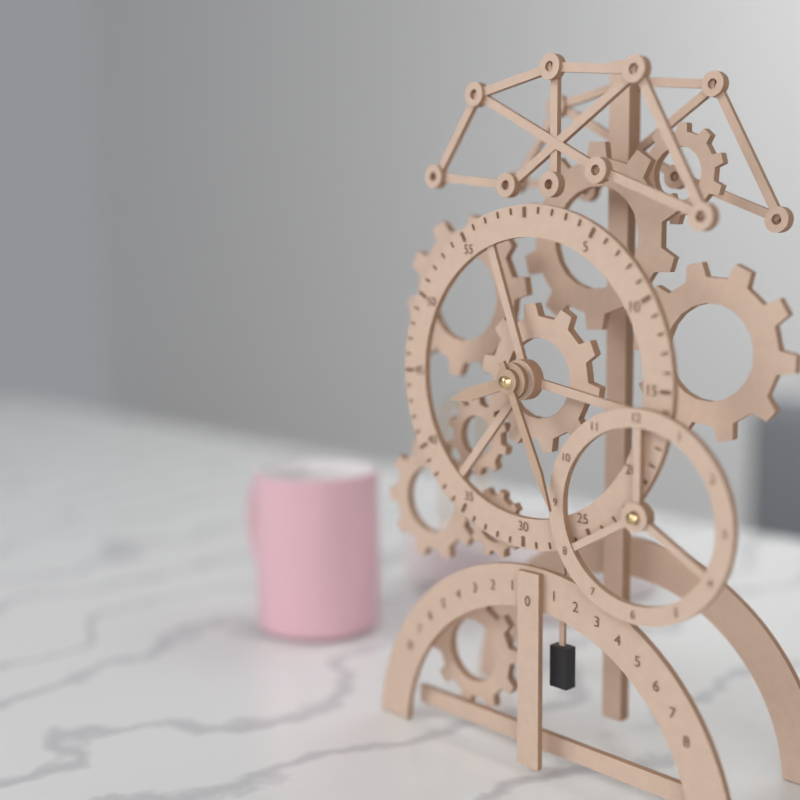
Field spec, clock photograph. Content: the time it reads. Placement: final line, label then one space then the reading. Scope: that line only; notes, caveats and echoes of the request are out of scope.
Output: 8:26
